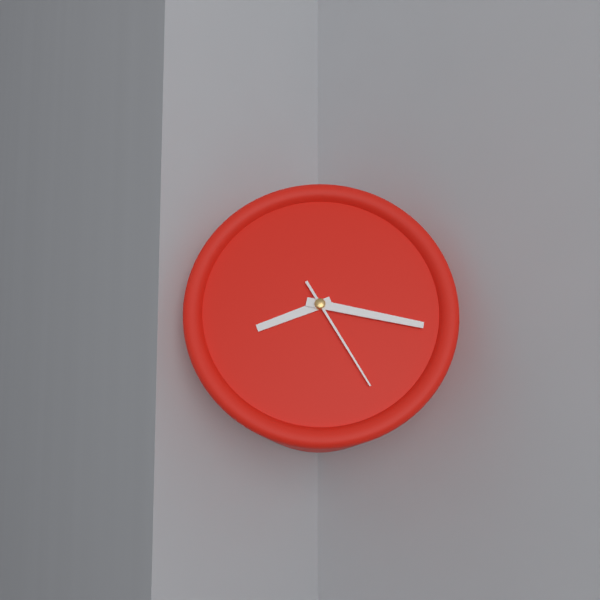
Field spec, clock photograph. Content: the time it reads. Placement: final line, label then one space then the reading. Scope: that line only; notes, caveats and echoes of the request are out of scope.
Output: 8:17:25
